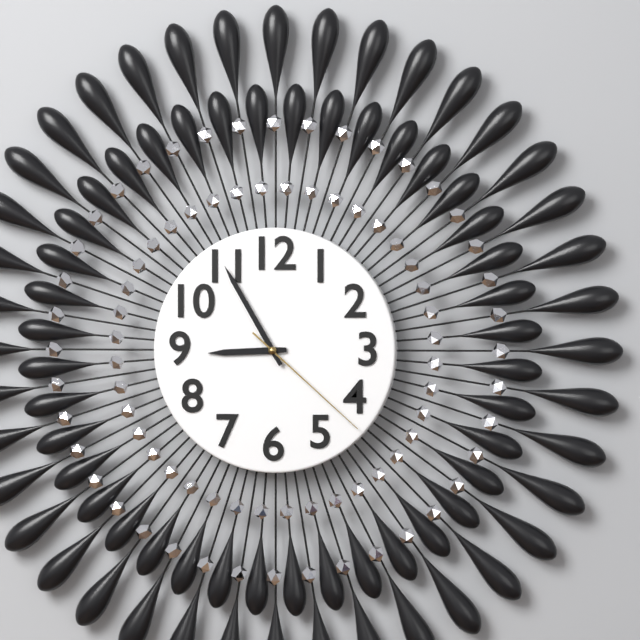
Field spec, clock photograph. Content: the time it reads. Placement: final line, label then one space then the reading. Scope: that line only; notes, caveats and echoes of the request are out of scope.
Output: 8:55:22
